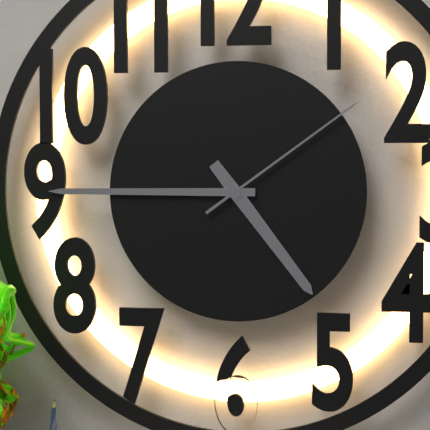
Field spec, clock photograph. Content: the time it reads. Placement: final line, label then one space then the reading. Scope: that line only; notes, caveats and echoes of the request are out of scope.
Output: 4:45:09
